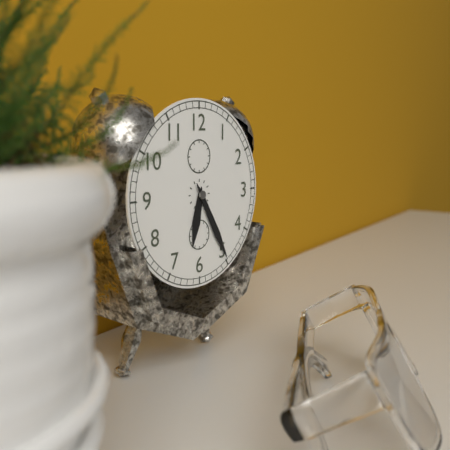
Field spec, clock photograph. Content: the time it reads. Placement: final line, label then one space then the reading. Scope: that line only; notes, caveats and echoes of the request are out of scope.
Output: 6:25
